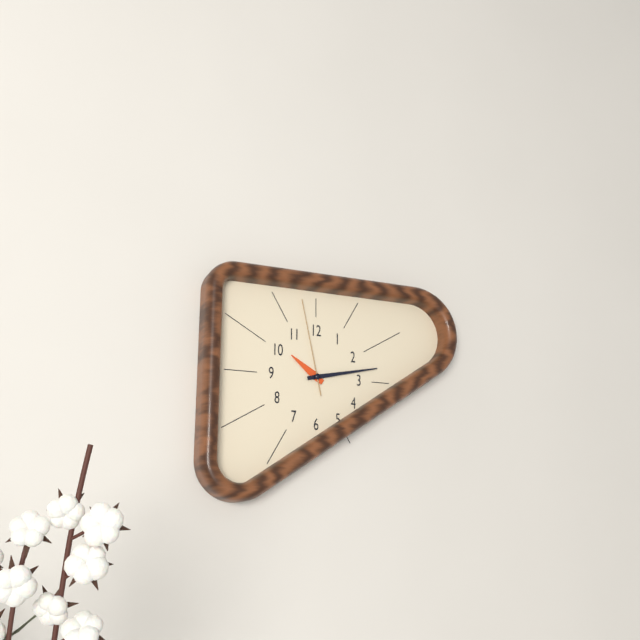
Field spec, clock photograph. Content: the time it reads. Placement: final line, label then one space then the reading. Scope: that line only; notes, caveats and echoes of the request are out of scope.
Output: 10:13:58
